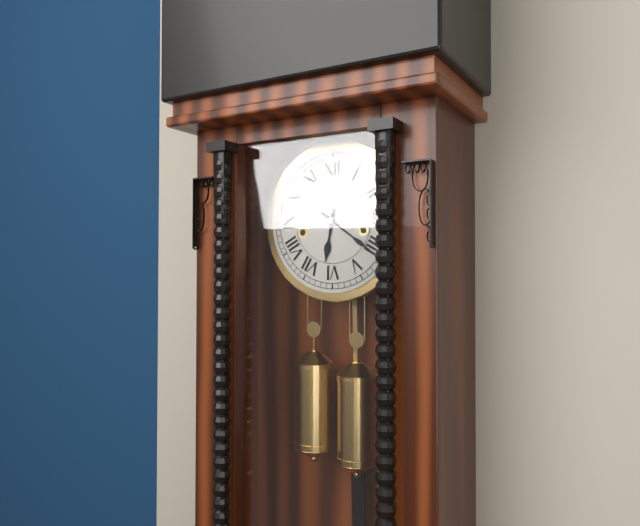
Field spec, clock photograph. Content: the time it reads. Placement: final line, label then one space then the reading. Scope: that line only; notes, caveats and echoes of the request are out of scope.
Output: 6:21
